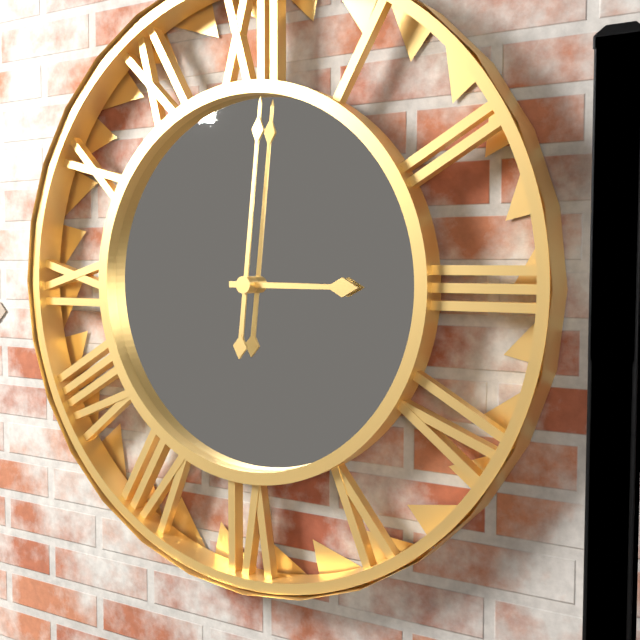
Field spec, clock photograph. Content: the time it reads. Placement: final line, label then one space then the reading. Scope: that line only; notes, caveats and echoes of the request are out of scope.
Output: 3:01
